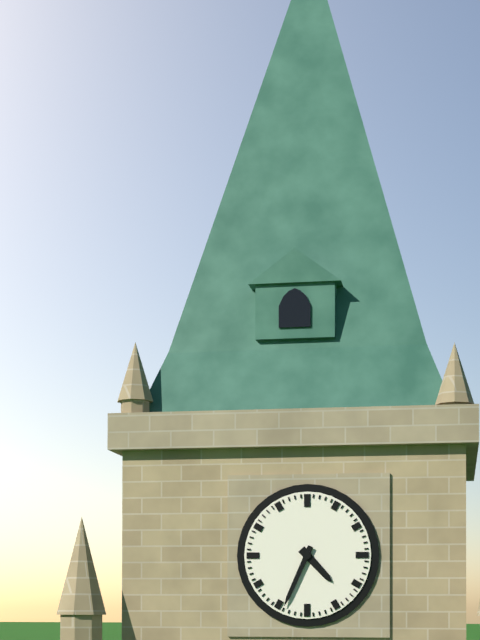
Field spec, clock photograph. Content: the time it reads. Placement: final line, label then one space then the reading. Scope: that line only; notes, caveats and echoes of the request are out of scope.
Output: 4:34
